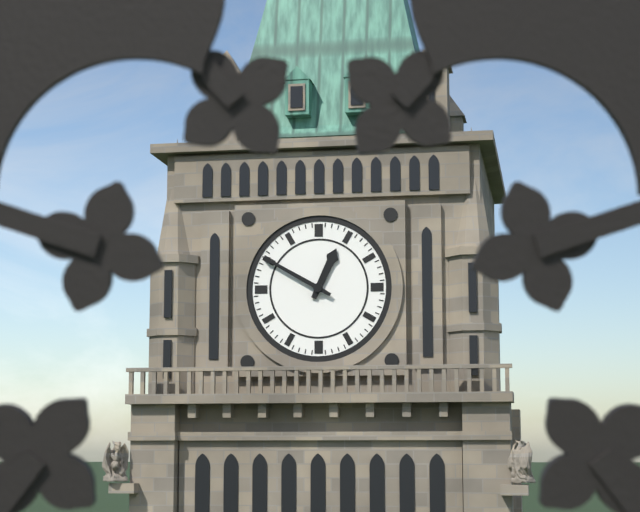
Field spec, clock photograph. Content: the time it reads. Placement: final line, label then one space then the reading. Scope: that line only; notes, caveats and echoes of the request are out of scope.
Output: 12:50
